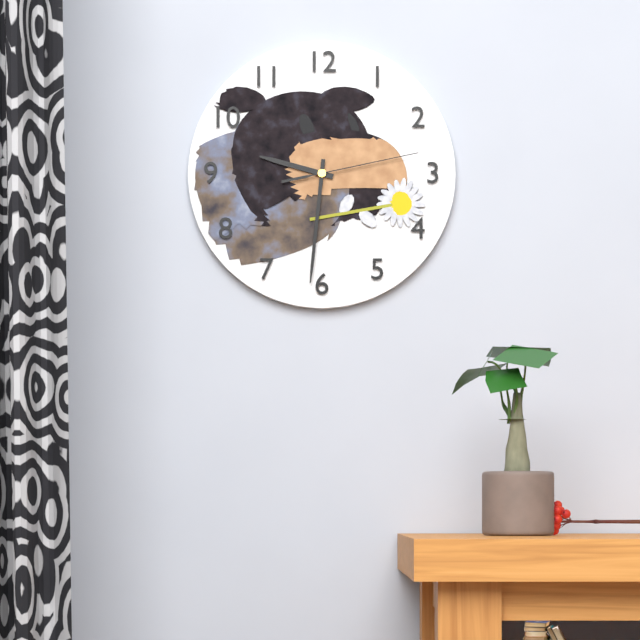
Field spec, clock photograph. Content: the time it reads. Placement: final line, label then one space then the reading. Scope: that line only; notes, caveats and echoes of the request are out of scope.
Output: 9:31:13
